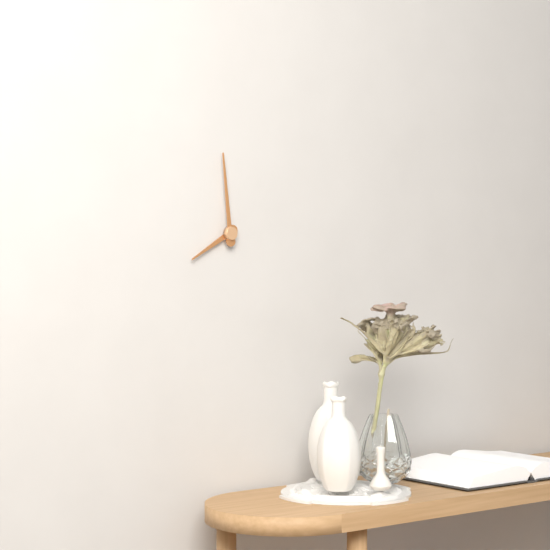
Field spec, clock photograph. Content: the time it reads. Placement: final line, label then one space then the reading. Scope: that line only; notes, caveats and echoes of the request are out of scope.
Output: 7:59
